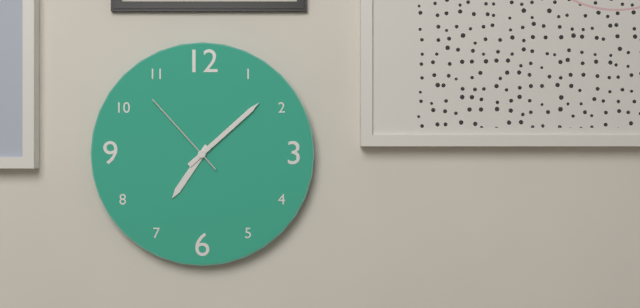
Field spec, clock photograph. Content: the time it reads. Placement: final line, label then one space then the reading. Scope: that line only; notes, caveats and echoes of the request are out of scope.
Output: 7:08:53
